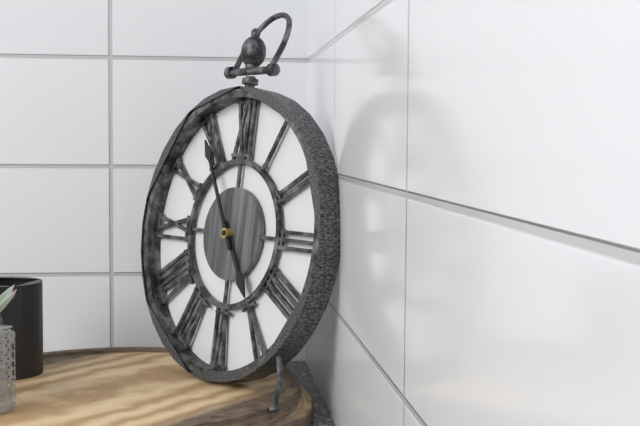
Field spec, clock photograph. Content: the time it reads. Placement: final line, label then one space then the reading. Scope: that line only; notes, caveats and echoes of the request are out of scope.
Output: 4:55
